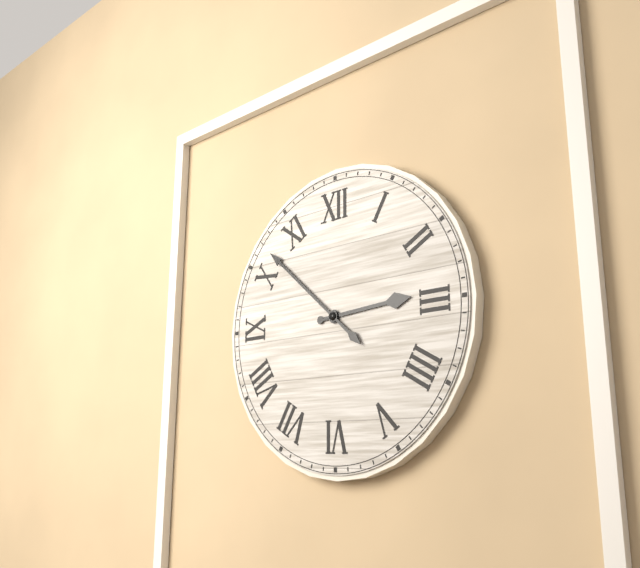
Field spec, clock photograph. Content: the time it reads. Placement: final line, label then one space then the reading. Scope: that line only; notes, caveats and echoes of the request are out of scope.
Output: 2:52
